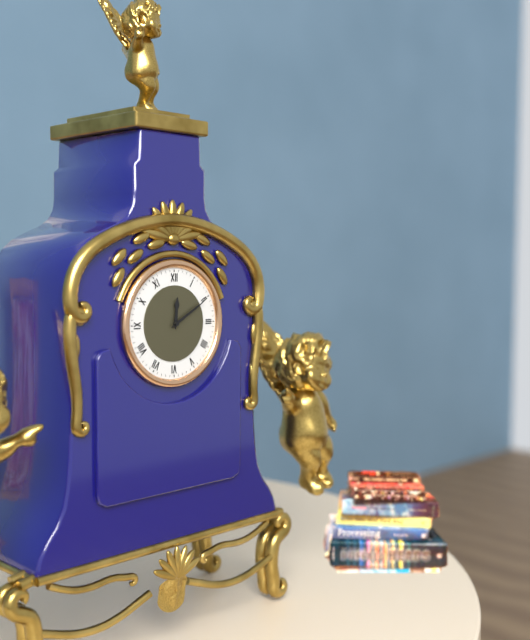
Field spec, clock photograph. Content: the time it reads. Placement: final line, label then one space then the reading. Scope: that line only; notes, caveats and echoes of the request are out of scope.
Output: 12:10
